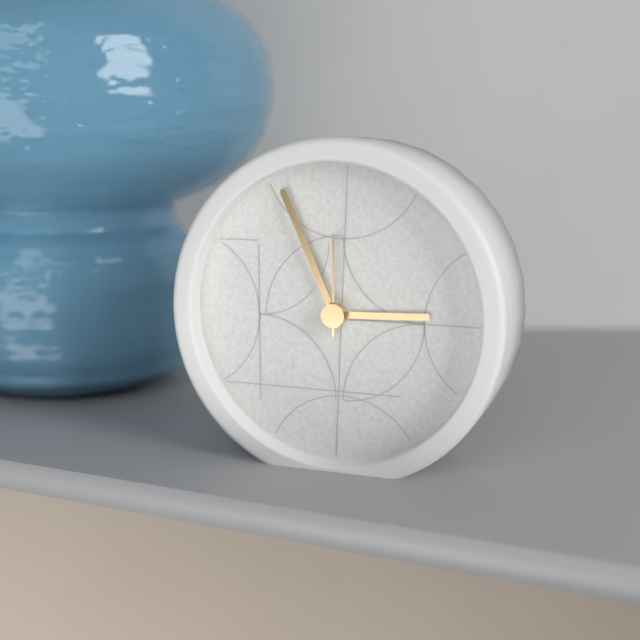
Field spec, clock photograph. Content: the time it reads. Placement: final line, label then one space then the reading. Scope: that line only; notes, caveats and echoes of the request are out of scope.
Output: 2:56:00
